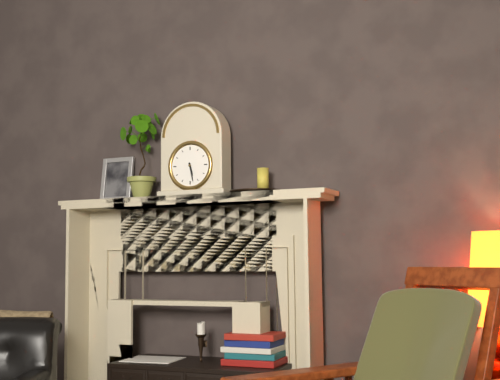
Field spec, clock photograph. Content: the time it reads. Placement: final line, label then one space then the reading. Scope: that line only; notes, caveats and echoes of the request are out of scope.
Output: 5:28
